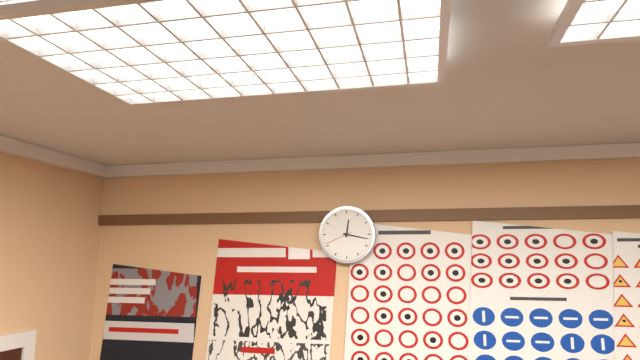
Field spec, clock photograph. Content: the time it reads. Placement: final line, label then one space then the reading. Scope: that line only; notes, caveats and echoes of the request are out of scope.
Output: 12:17
